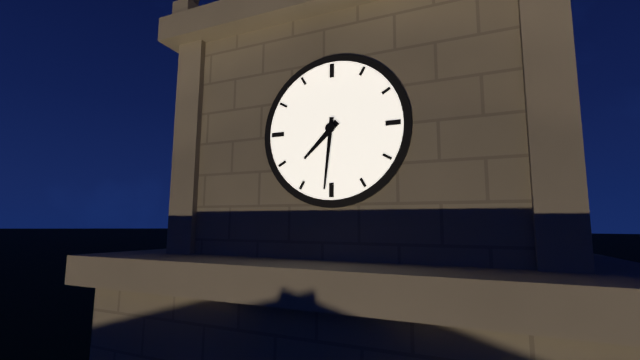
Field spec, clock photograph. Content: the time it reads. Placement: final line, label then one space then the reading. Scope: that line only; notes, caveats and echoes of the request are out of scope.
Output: 7:31
